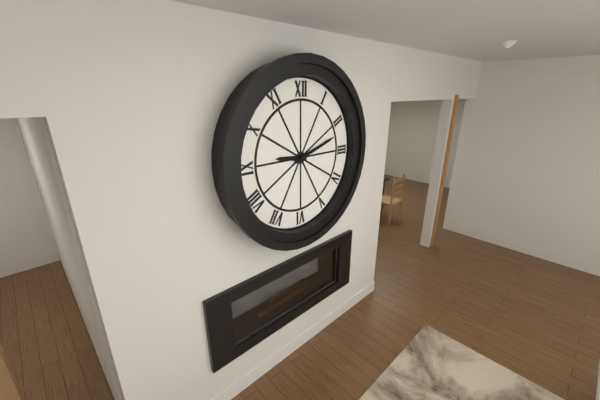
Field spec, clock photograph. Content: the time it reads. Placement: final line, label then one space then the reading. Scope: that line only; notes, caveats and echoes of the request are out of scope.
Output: 9:12
